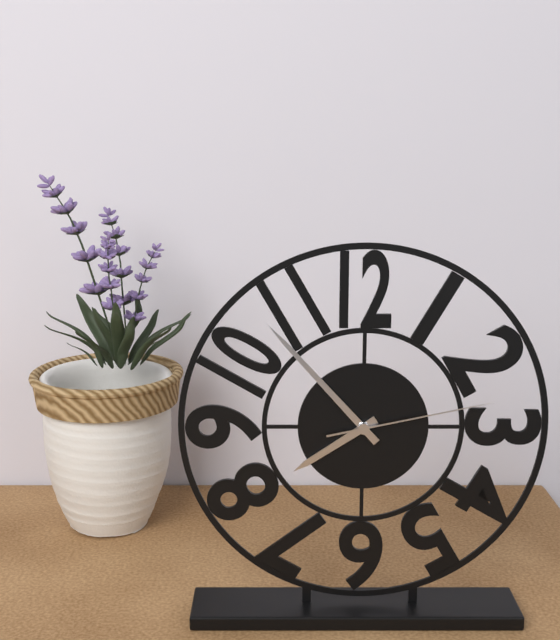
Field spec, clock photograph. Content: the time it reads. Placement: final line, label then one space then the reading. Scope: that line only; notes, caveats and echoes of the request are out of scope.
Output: 7:53:13
